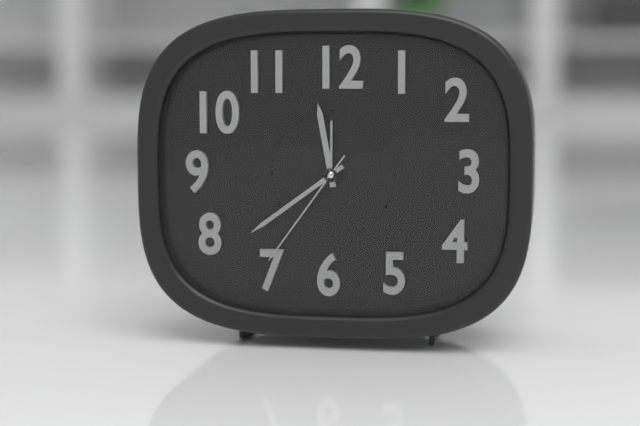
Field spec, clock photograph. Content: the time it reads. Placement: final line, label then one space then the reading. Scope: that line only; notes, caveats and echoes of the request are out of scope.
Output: 11:39:36
